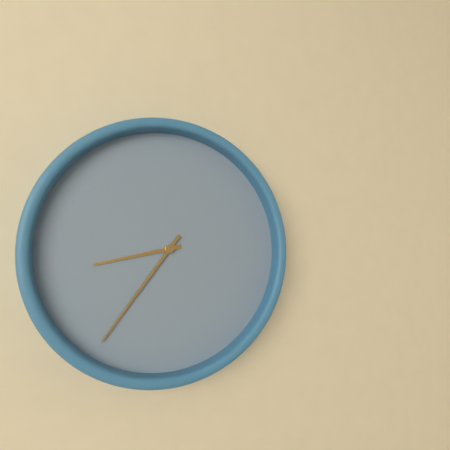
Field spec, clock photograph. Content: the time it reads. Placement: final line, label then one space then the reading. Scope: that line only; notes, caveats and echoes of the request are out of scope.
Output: 8:36
